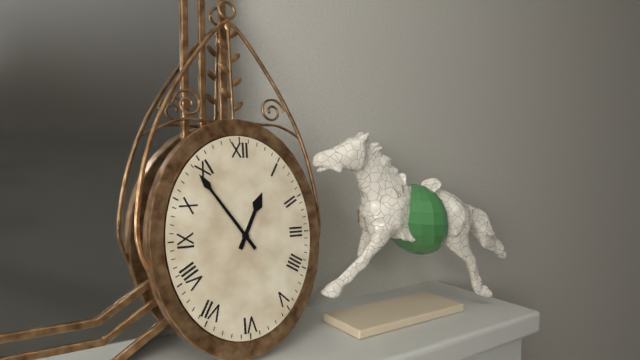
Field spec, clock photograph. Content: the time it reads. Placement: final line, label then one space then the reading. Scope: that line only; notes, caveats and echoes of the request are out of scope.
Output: 12:54
